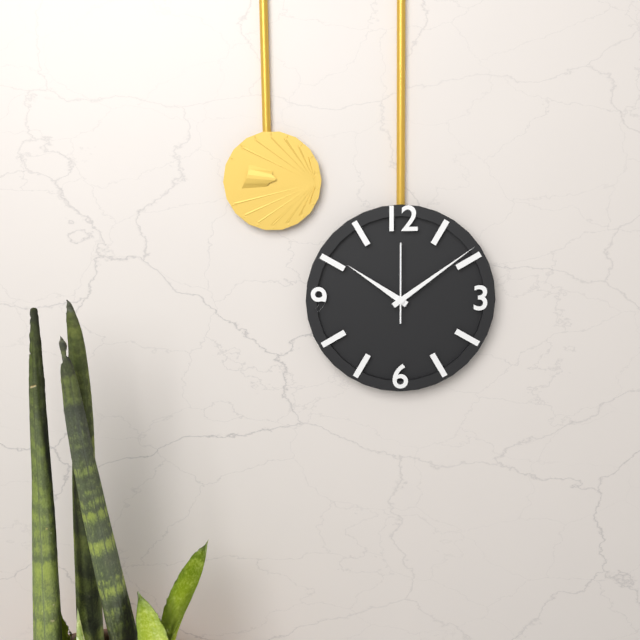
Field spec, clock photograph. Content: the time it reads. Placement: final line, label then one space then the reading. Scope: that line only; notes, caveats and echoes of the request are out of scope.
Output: 10:09:00
